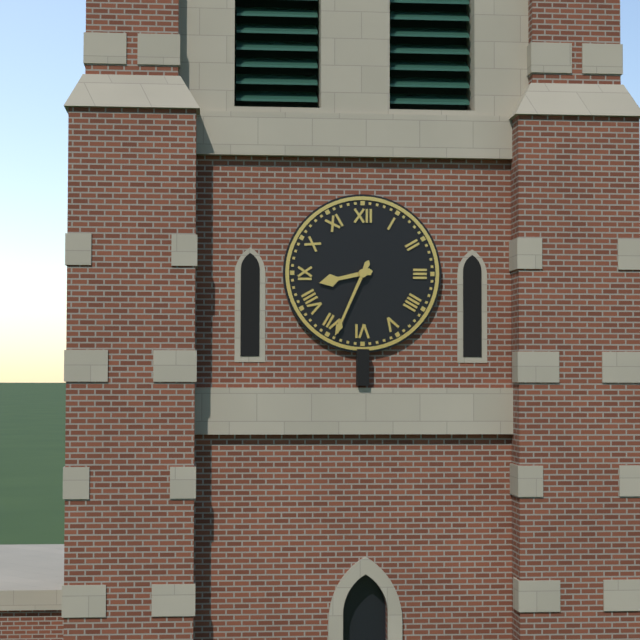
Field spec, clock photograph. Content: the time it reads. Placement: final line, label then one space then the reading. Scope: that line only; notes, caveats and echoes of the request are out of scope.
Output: 8:34
